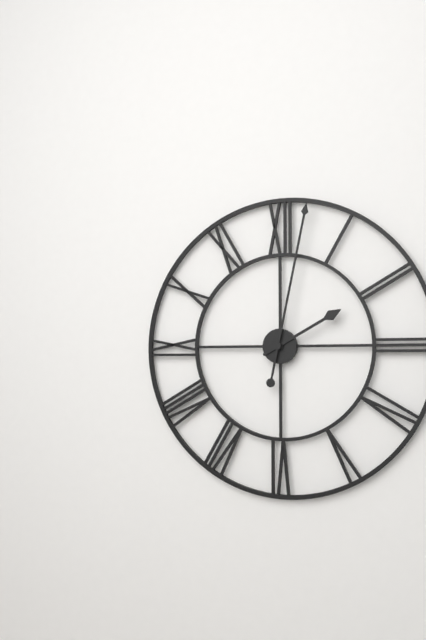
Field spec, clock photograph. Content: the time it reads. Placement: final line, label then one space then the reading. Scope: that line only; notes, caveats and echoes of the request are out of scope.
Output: 2:02
